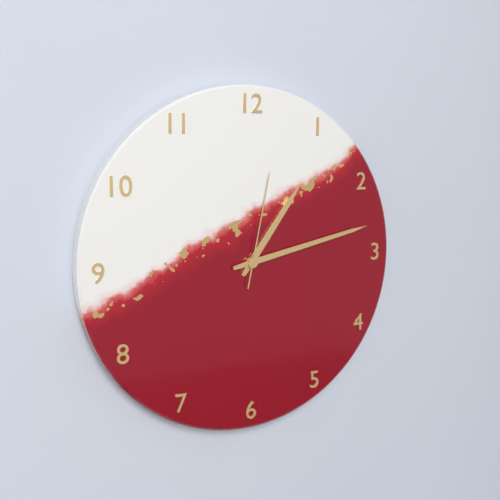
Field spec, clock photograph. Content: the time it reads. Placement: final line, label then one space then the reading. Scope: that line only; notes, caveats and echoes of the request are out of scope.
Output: 1:13:02
